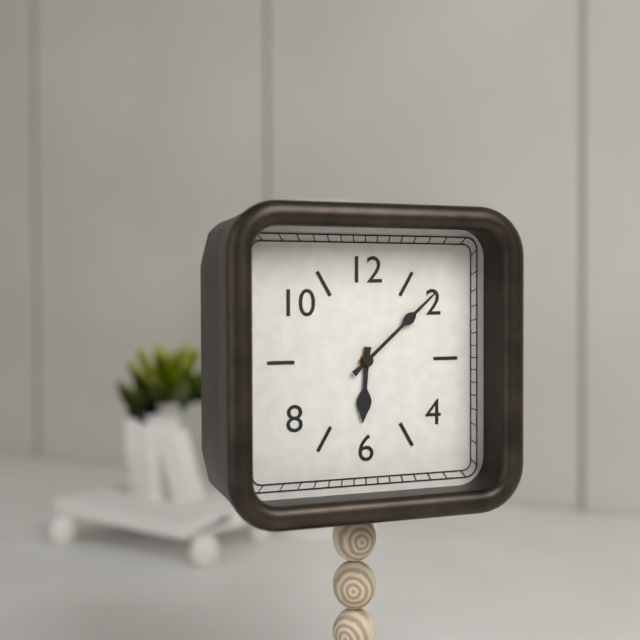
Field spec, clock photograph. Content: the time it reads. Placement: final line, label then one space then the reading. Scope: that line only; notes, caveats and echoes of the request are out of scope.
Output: 6:08
